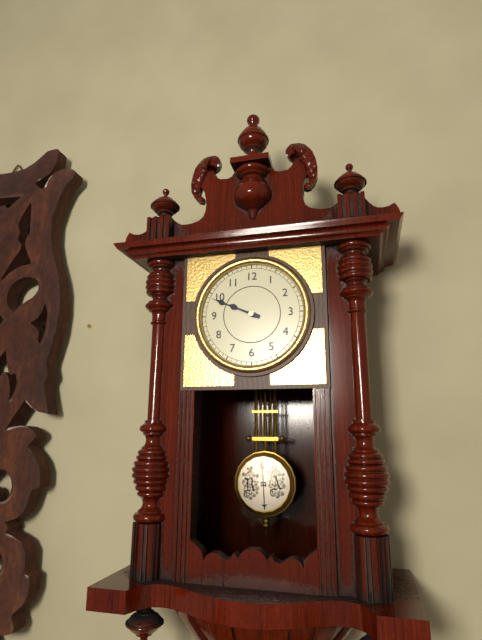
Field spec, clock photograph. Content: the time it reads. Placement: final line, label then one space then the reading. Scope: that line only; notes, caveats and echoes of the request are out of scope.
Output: 9:49
